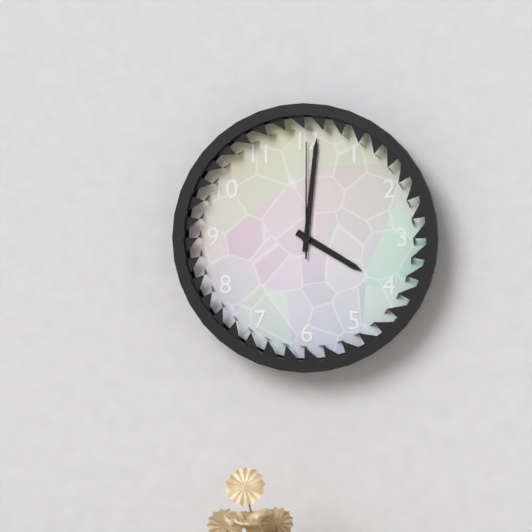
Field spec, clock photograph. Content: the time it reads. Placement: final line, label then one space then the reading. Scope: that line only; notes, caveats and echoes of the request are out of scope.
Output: 4:01:00
